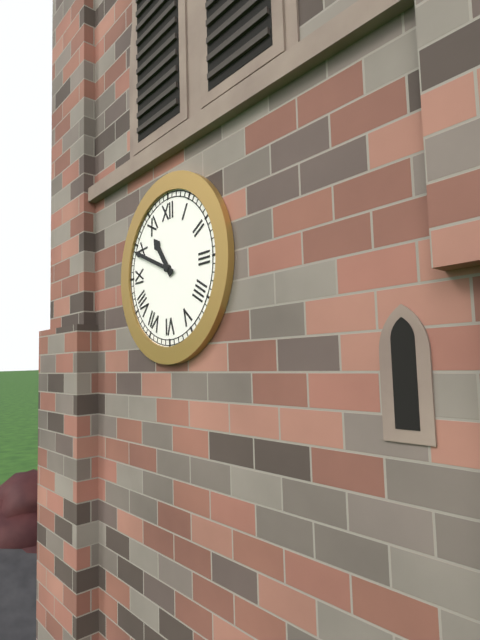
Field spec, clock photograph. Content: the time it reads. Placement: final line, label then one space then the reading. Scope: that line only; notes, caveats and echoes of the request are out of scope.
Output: 10:49
